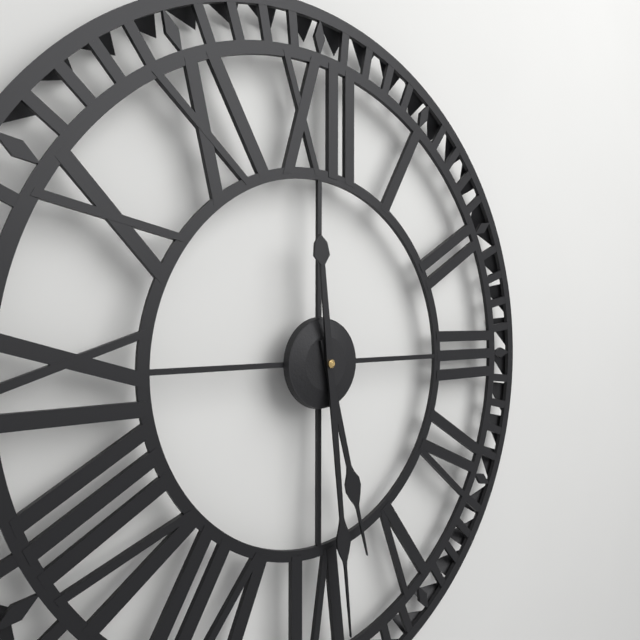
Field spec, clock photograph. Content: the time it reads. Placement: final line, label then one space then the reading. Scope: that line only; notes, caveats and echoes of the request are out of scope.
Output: 5:29
